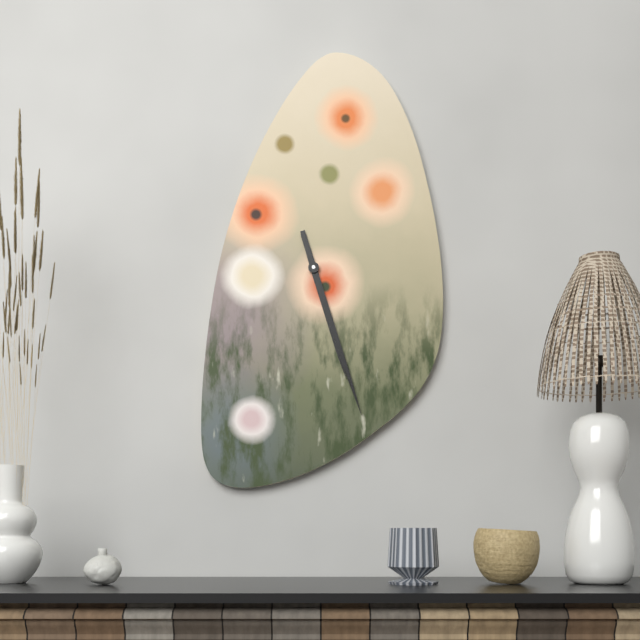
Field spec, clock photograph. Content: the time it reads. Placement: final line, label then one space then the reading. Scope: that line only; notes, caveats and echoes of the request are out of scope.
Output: 5:27
